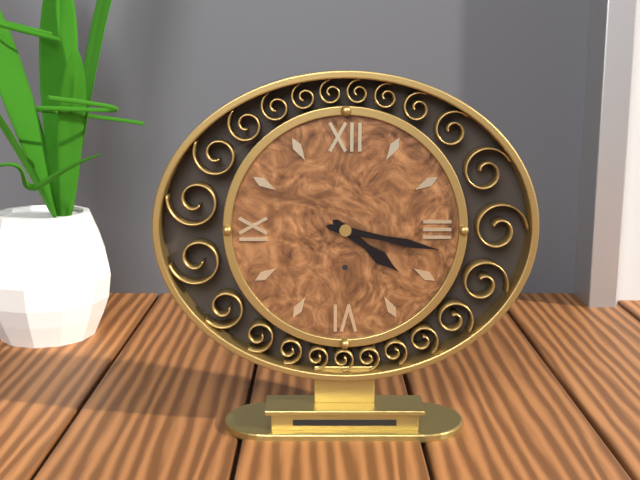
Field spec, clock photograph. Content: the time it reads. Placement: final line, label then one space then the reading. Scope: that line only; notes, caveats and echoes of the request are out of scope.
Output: 4:17
